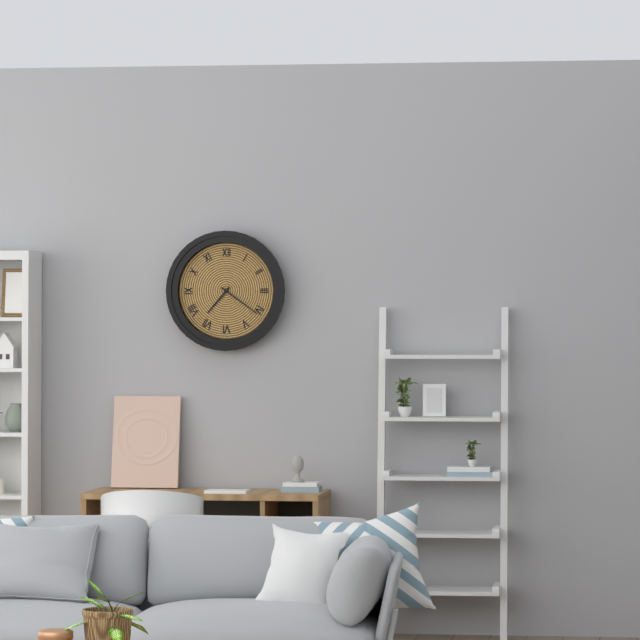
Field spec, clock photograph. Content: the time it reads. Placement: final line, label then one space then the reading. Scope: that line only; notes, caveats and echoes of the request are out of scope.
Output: 7:21
